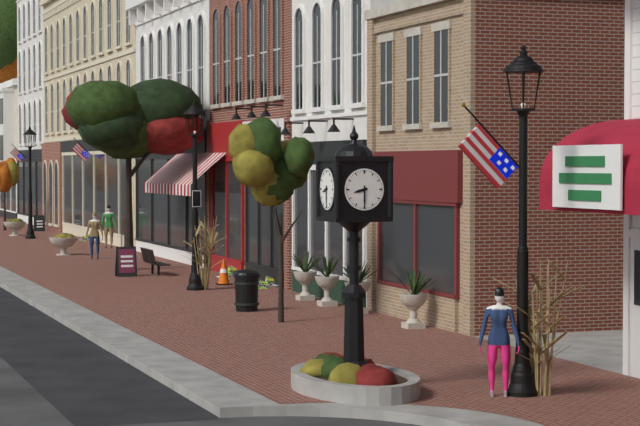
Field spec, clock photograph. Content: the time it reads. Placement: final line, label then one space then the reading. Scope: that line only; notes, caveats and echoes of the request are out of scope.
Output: 8:30
